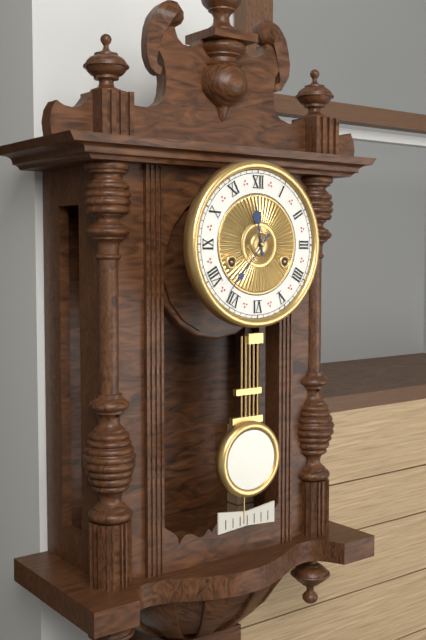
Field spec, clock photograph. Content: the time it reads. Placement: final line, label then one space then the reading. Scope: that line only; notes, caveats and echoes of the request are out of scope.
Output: 11:37
